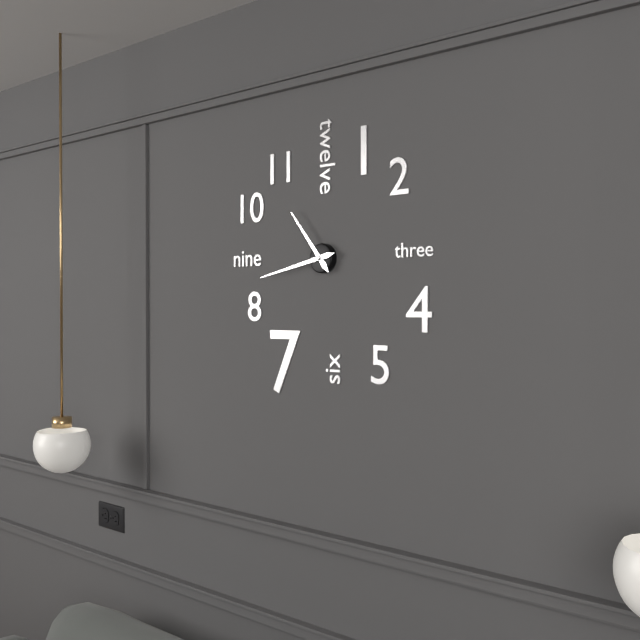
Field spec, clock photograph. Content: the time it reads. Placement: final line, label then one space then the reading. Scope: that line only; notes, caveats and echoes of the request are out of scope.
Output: 10:43
